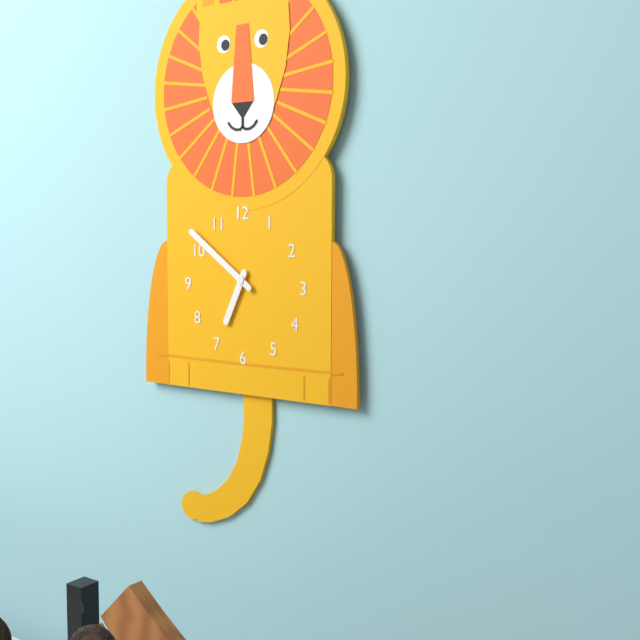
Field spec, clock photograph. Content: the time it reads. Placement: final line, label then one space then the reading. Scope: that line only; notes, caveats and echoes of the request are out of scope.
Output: 6:51
